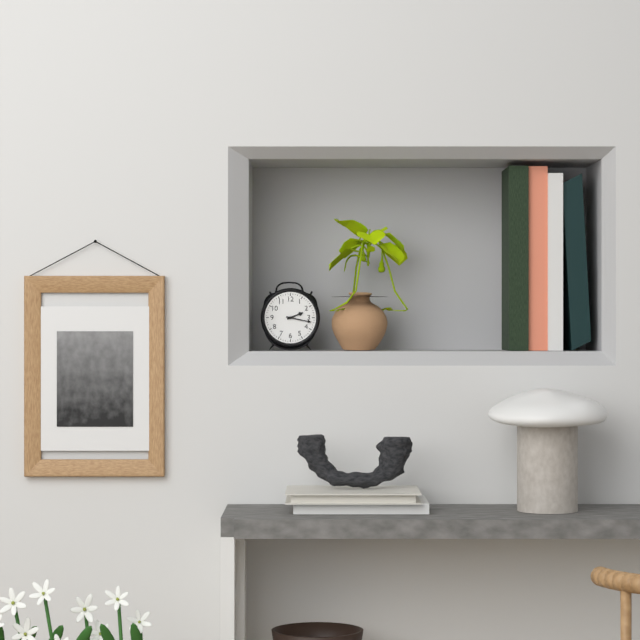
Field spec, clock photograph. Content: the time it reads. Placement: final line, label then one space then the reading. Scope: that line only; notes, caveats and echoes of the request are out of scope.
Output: 2:17
